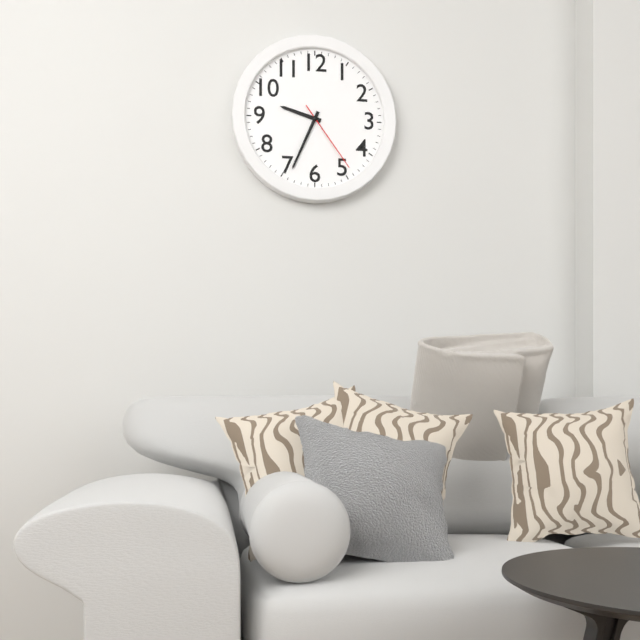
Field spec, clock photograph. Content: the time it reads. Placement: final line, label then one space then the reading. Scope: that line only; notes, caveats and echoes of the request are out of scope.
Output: 9:34:24
